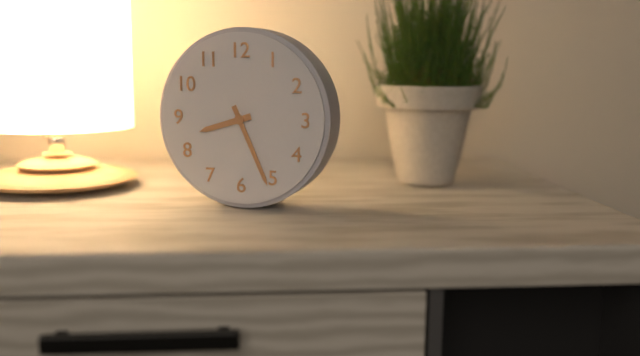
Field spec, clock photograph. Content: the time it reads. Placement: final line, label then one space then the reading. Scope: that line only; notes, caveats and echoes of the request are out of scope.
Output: 8:26
